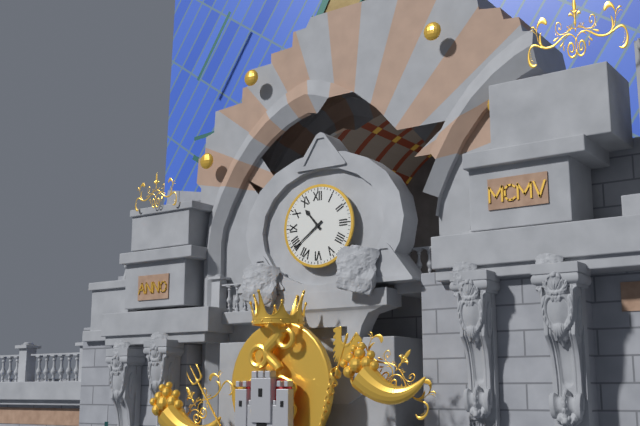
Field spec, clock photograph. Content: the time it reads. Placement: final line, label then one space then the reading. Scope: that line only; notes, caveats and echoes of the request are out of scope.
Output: 10:39
